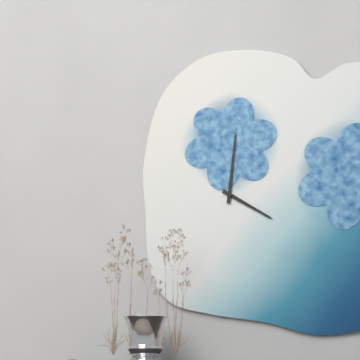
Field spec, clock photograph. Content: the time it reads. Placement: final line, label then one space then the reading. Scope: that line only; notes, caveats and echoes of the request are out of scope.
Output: 4:01
